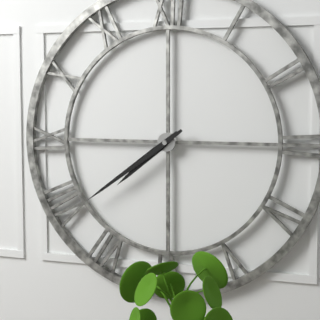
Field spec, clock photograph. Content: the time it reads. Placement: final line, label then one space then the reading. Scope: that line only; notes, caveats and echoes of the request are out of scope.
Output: 7:39
